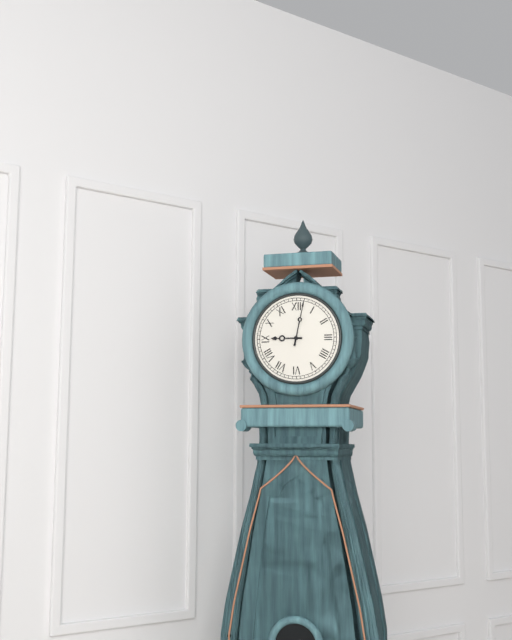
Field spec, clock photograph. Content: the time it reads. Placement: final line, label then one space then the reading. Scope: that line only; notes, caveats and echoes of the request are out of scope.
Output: 9:02
